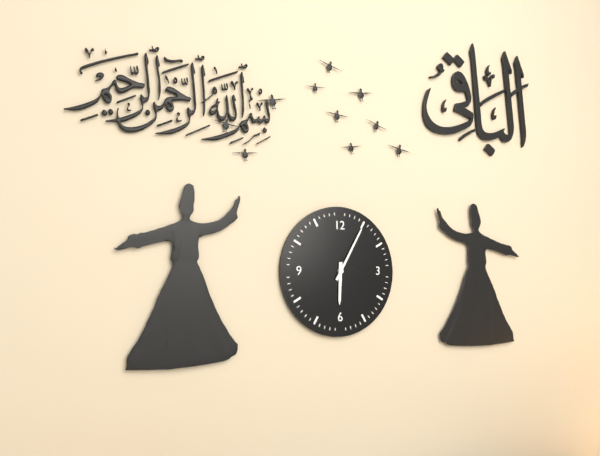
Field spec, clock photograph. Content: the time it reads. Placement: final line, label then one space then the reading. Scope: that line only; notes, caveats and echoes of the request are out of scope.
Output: 6:05
